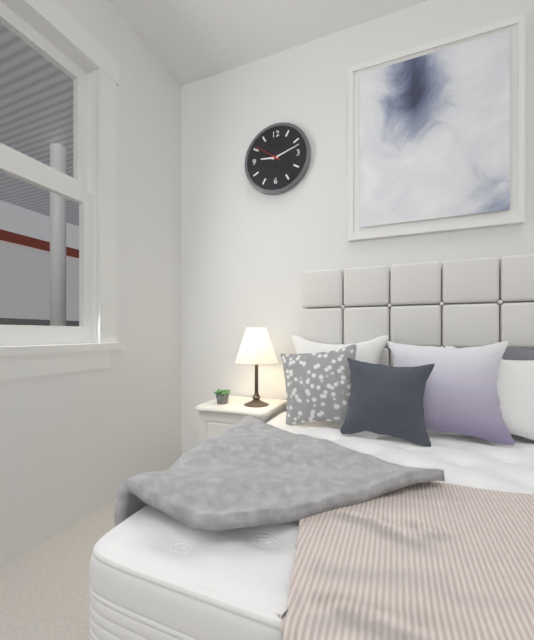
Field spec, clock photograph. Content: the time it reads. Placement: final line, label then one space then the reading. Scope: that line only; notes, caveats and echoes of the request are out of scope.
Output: 9:12
